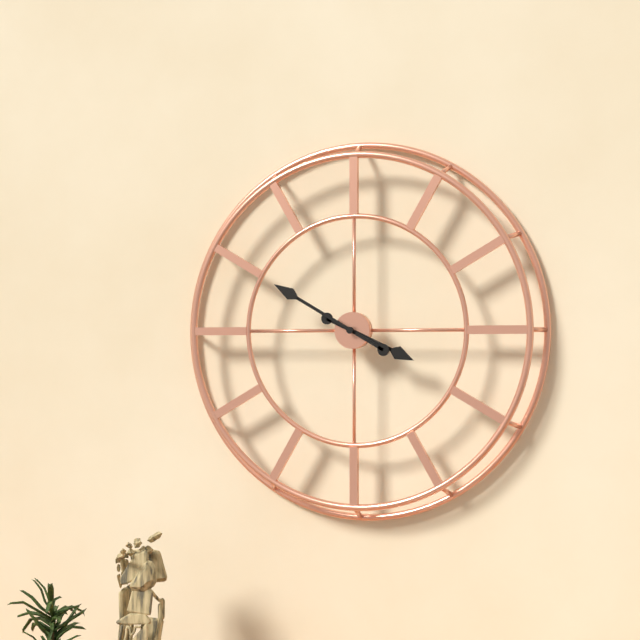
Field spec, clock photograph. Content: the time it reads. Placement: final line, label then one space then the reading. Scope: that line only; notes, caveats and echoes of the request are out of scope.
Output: 3:50
